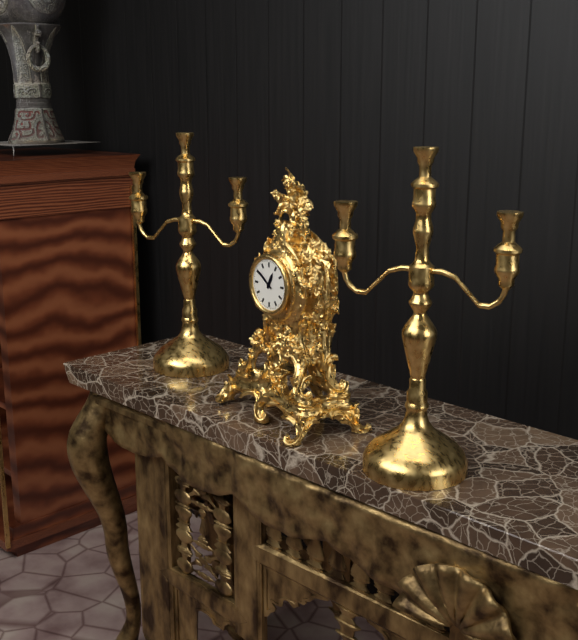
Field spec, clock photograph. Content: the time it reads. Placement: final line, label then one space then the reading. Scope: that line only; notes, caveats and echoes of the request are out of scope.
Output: 12:51
